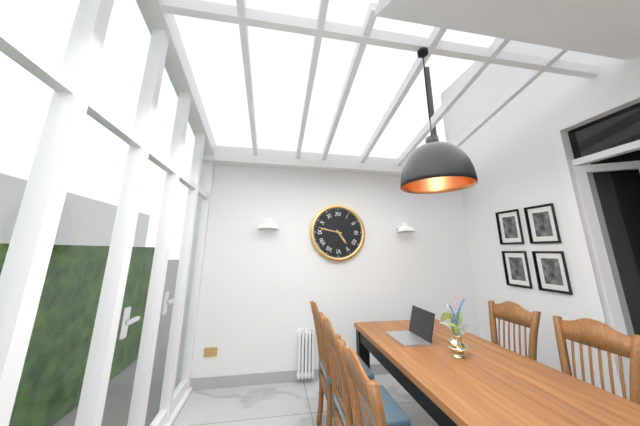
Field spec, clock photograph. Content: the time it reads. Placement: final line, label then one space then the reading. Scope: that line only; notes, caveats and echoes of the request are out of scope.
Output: 4:47
